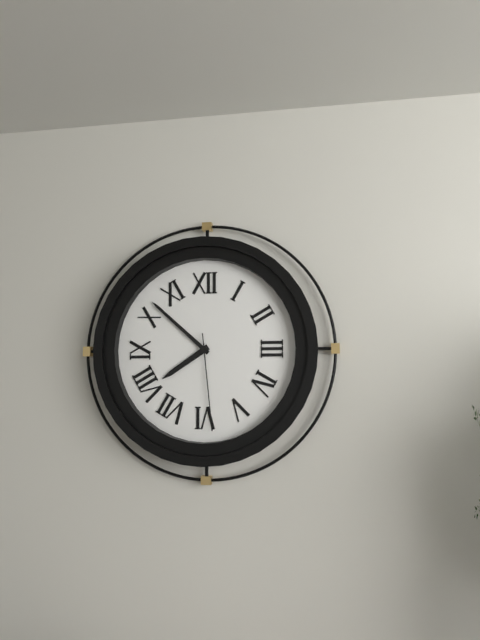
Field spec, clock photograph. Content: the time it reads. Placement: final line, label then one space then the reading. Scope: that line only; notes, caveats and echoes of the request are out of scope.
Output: 7:52:29
